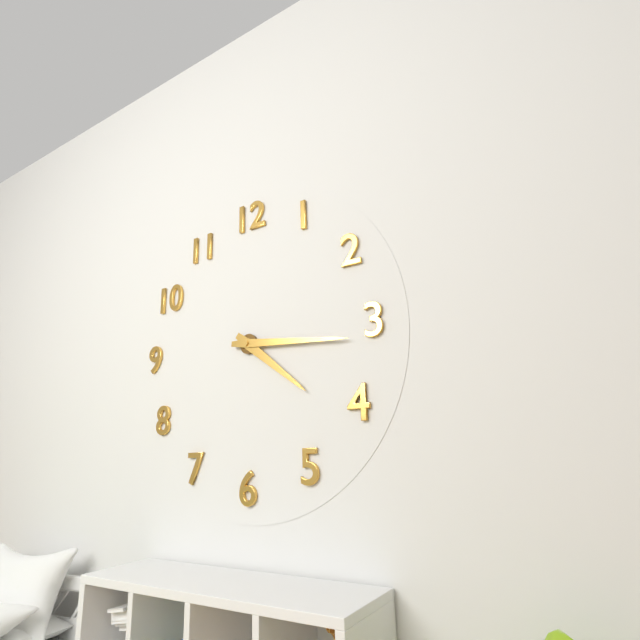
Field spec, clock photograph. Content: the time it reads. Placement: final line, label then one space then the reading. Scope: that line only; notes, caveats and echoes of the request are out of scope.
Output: 4:16
